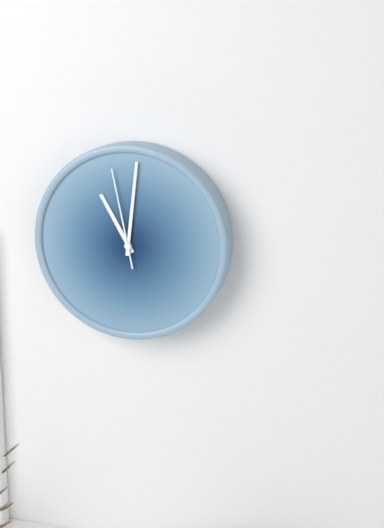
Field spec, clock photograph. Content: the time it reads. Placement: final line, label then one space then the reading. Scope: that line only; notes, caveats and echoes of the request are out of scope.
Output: 11:01:58
